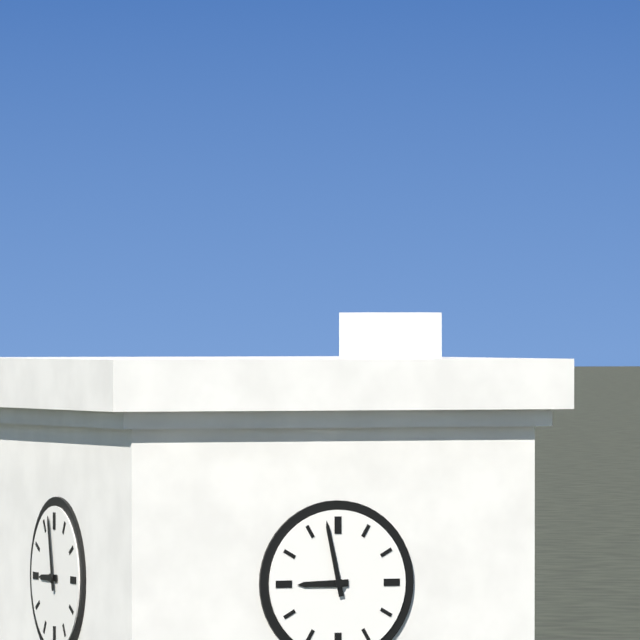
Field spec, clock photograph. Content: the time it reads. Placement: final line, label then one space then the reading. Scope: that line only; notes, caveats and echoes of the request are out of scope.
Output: 8:58
